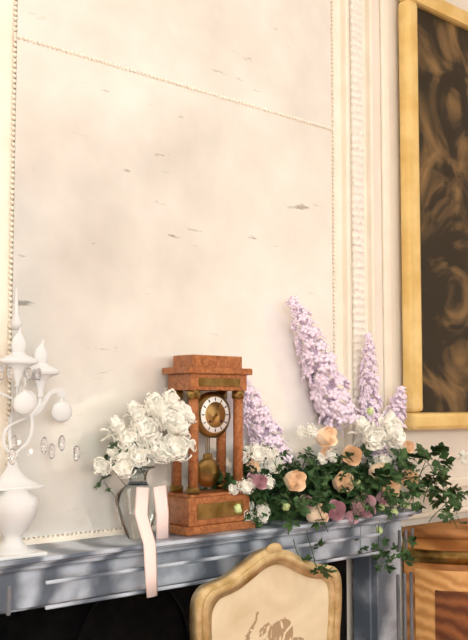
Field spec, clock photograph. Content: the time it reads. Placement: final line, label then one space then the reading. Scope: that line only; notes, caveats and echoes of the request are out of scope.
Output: 7:04
